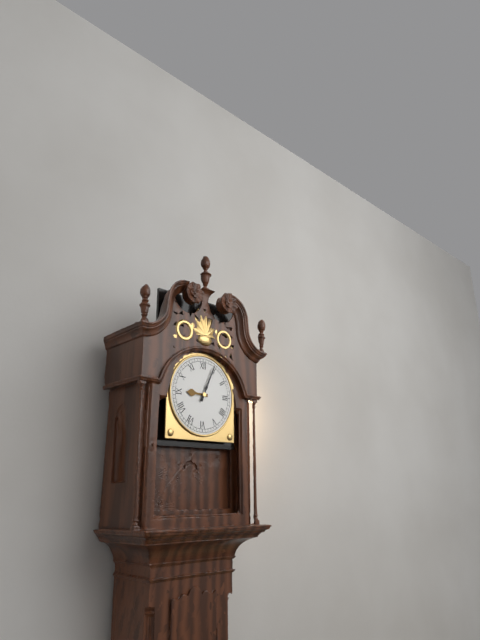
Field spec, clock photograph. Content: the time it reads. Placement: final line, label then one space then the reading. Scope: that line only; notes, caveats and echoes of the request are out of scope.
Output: 9:04
